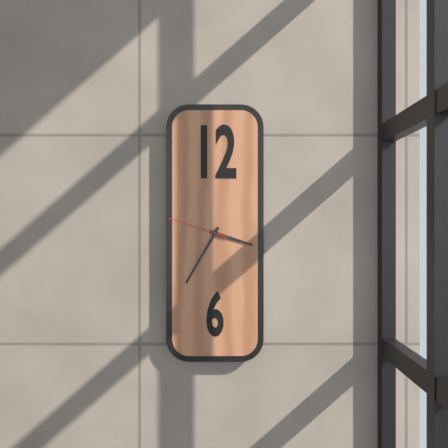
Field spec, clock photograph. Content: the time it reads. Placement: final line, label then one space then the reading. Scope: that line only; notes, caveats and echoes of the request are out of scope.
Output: 3:35:48
